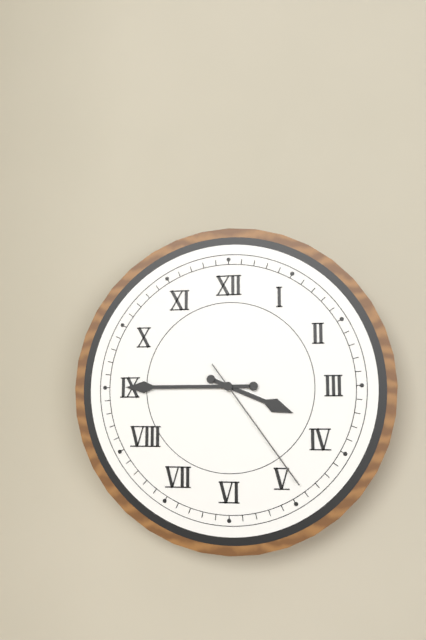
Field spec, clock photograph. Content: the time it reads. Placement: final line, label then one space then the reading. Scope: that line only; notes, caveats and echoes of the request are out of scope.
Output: 3:45:24
